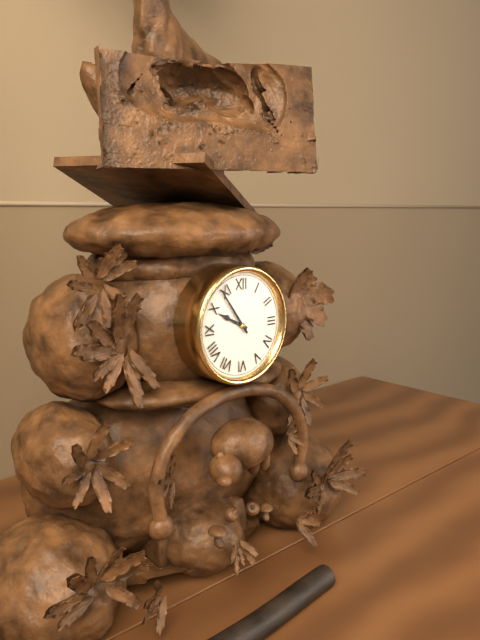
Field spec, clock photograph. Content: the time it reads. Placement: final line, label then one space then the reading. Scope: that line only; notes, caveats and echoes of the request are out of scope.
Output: 9:54
